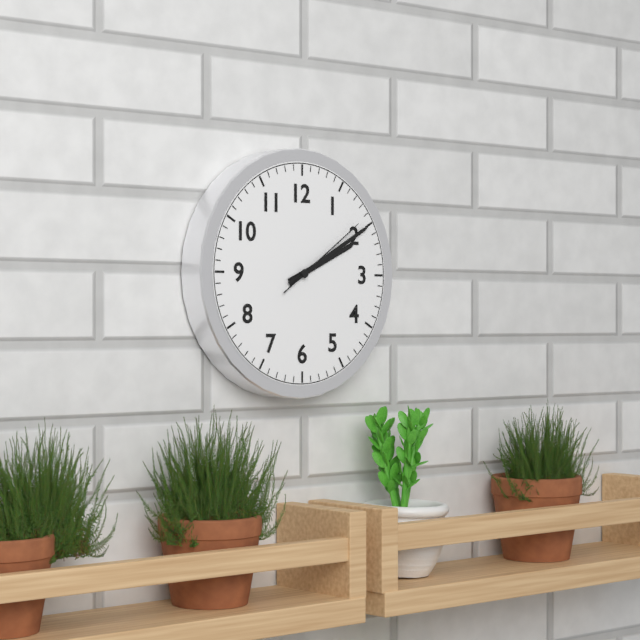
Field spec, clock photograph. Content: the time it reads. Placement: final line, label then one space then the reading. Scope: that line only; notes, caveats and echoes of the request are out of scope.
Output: 2:10:09
